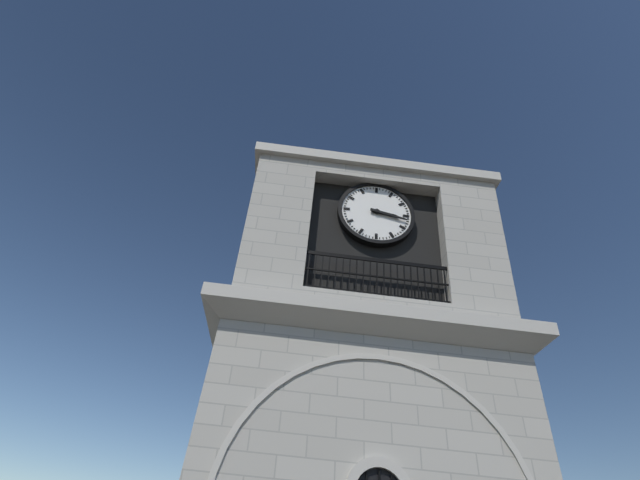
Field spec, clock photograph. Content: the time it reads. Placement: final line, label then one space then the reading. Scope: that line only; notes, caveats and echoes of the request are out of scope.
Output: 3:17
